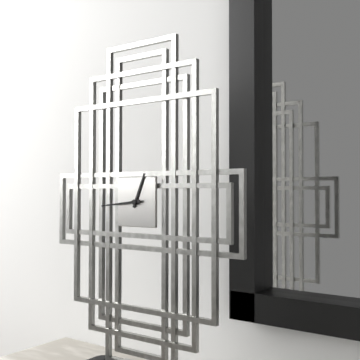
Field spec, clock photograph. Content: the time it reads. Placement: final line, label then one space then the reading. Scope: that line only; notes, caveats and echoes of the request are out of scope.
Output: 12:44
